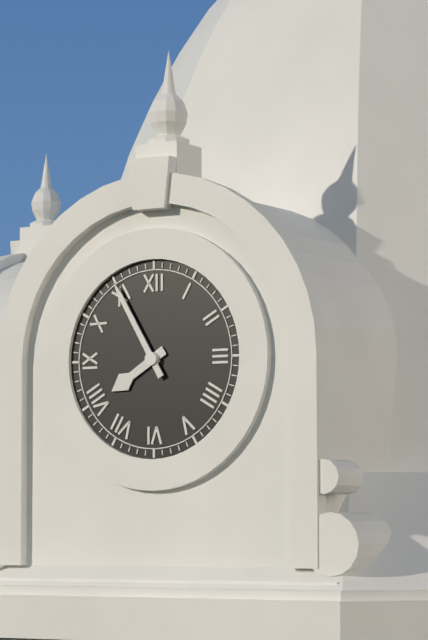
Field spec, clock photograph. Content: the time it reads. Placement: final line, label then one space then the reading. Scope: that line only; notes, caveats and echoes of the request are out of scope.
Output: 7:55
